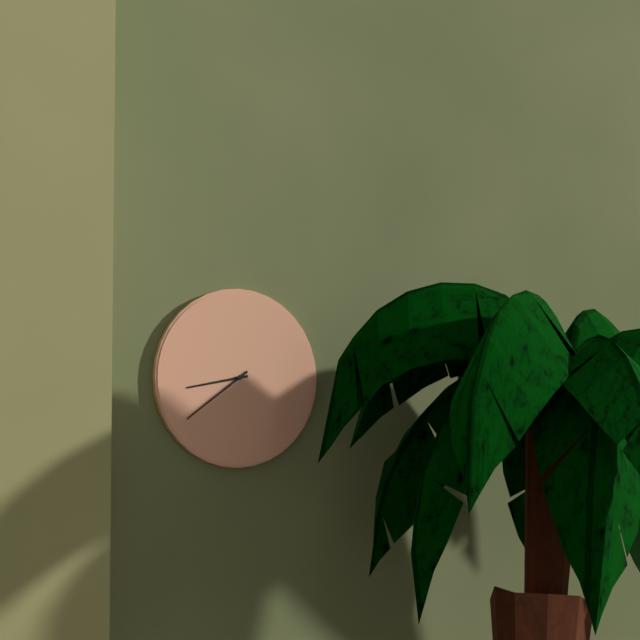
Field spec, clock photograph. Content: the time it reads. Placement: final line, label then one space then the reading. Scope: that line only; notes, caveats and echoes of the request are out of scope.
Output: 8:39
